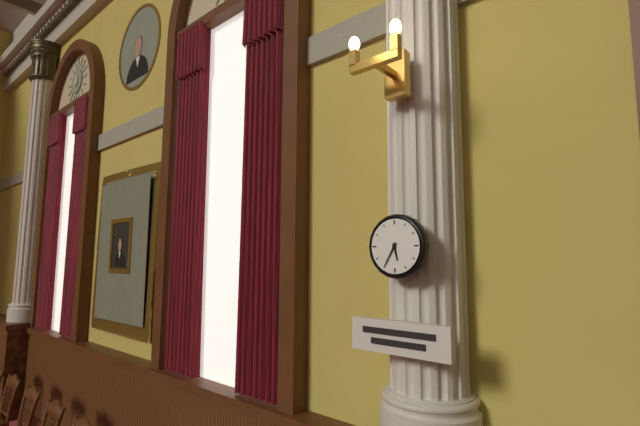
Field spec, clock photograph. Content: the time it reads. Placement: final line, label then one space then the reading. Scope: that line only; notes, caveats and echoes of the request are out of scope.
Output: 5:35
